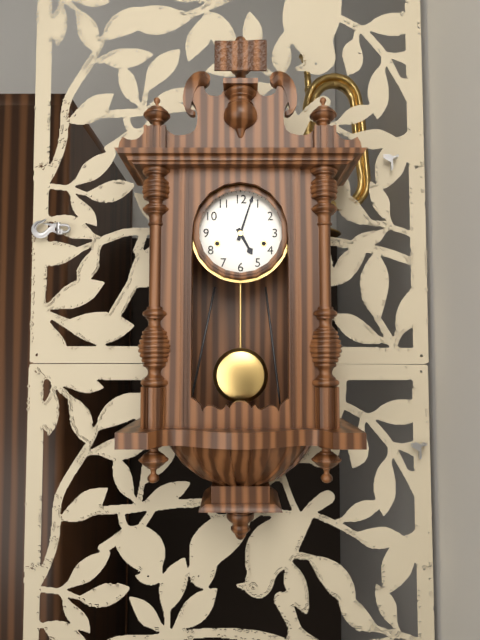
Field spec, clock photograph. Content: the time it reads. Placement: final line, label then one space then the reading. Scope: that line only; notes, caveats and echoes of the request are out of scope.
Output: 5:03
